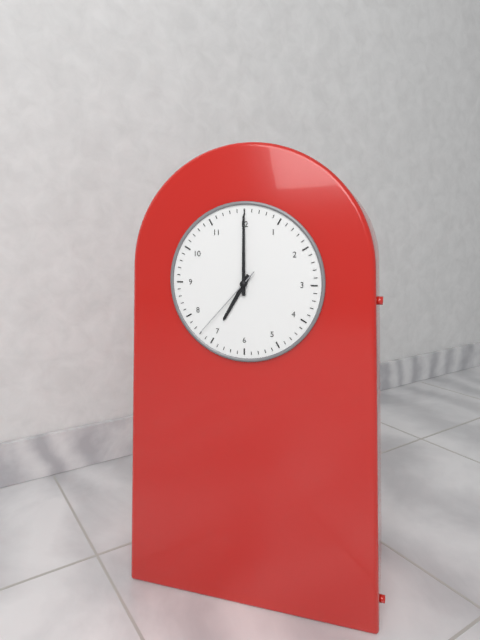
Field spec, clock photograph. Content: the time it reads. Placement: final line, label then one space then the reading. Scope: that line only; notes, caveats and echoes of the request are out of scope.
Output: 7:00:37
